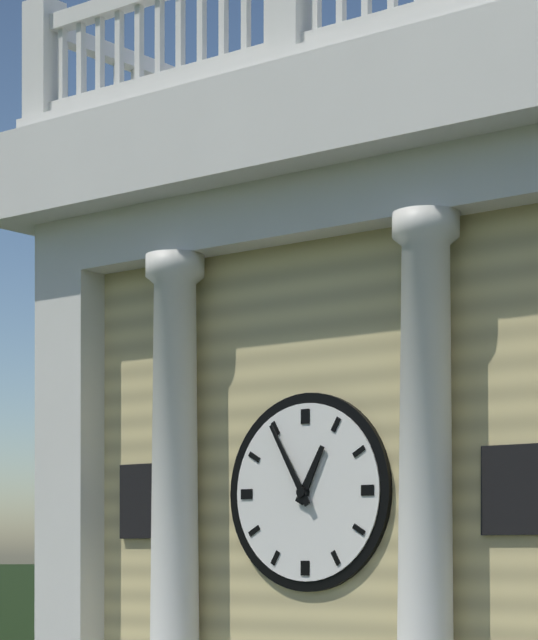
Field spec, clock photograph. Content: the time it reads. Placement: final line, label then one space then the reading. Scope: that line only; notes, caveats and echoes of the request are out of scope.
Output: 12:55
